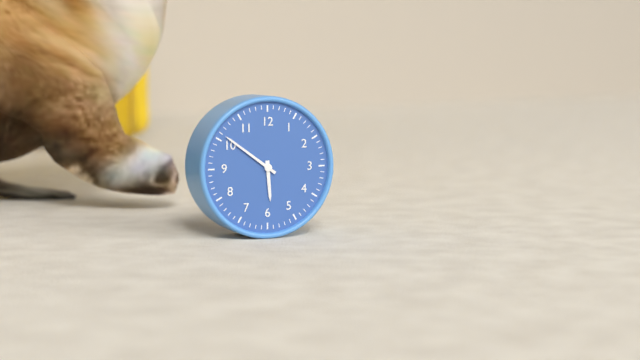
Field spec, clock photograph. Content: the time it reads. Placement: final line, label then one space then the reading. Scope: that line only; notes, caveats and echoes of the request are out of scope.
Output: 5:51
